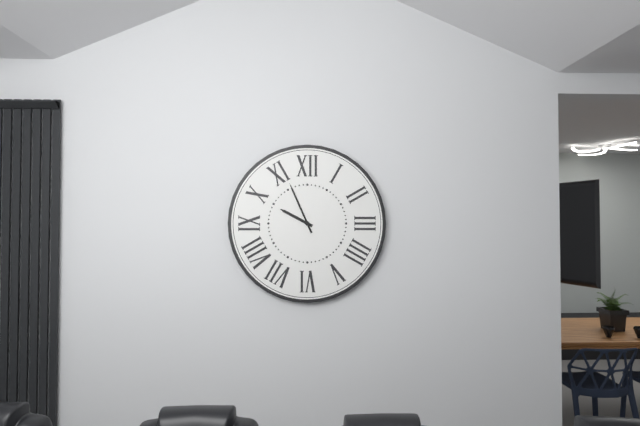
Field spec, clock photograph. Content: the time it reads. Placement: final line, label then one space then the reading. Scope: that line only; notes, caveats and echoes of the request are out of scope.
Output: 9:56
